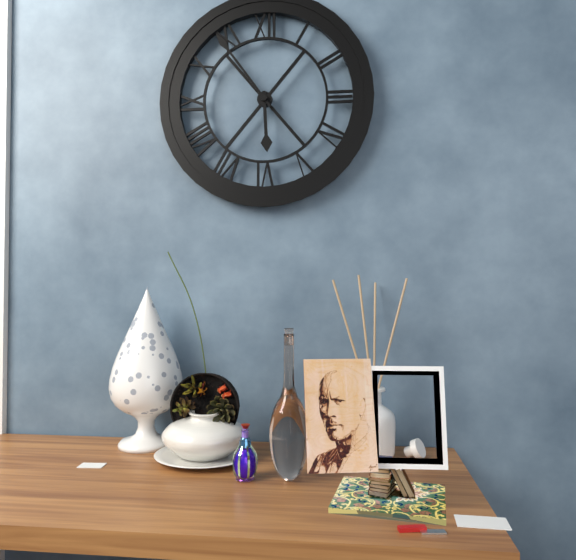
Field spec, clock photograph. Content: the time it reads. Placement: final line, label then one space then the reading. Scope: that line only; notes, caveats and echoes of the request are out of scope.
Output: 5:54
